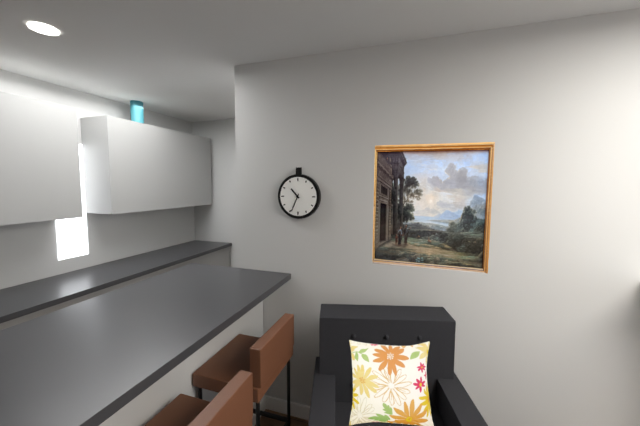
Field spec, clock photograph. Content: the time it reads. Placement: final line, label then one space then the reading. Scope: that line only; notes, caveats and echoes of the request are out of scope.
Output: 10:34
